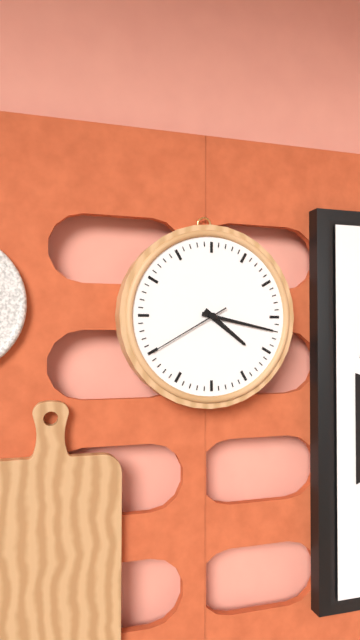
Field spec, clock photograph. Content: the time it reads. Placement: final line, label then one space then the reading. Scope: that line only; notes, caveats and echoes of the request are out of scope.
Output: 4:17:40
